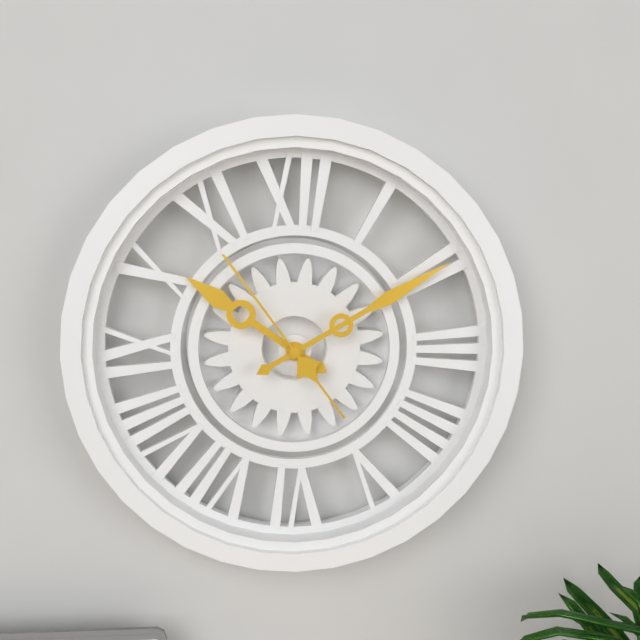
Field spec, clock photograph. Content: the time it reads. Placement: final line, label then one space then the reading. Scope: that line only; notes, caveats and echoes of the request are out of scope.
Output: 10:10:54
